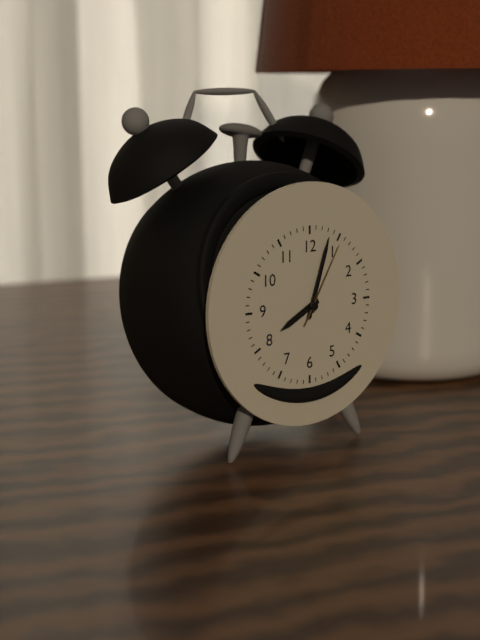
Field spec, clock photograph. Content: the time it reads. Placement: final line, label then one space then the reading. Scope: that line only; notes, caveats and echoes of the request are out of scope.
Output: 8:03:05
